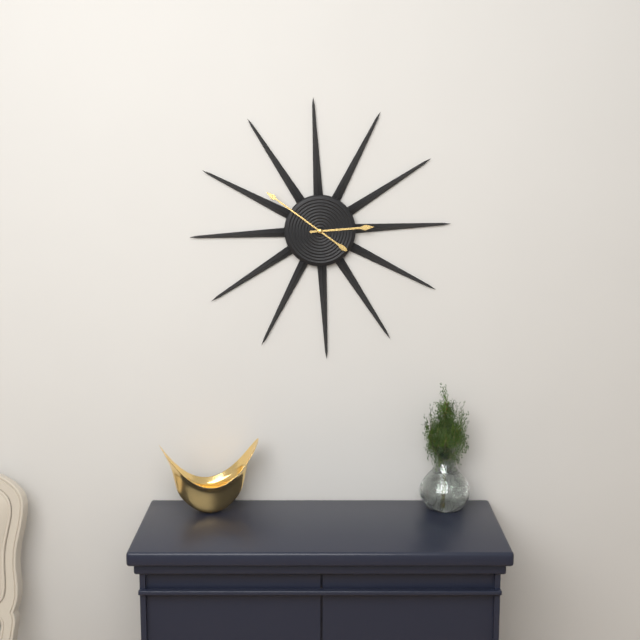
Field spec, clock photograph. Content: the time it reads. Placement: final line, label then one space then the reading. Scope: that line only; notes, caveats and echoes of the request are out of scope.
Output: 2:51
